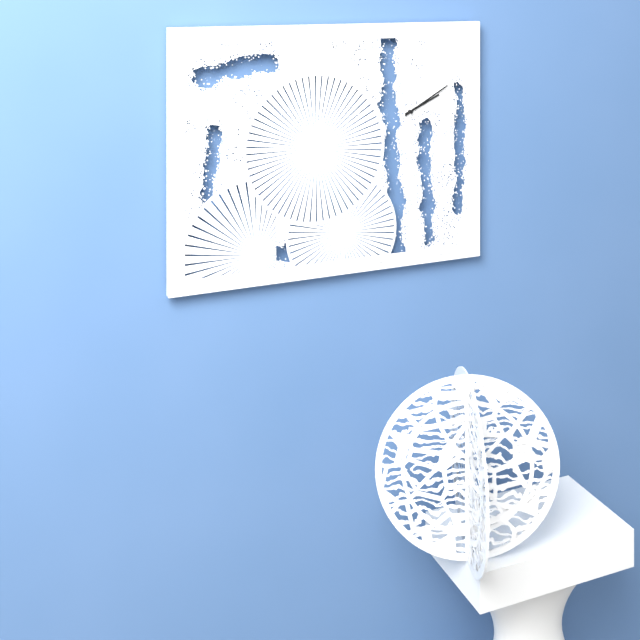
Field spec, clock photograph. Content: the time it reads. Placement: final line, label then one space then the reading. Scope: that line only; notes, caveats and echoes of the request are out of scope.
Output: 2:10
